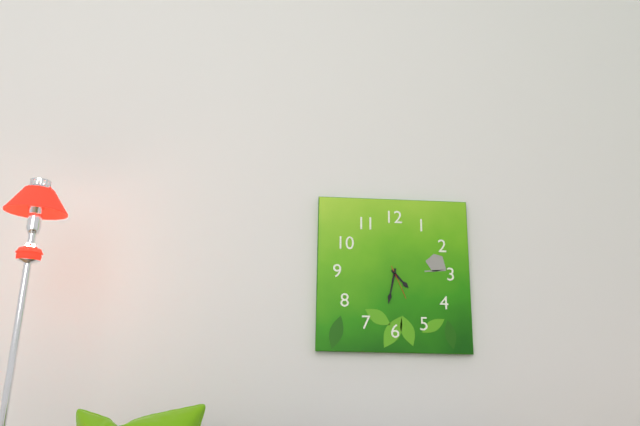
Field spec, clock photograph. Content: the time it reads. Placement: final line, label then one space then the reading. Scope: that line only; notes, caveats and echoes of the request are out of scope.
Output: 4:32
